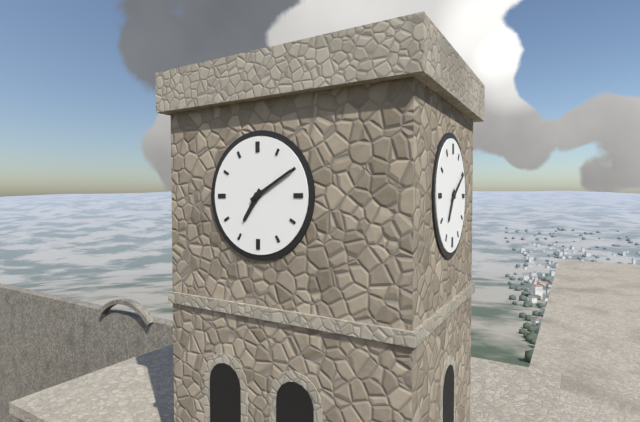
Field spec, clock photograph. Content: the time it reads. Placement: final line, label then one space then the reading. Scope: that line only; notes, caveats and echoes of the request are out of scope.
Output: 7:10
